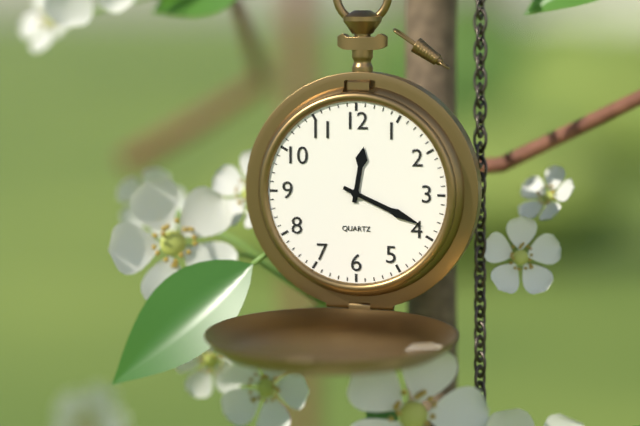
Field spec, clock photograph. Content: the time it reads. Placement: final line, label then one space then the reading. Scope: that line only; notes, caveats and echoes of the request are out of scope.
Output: 12:19
